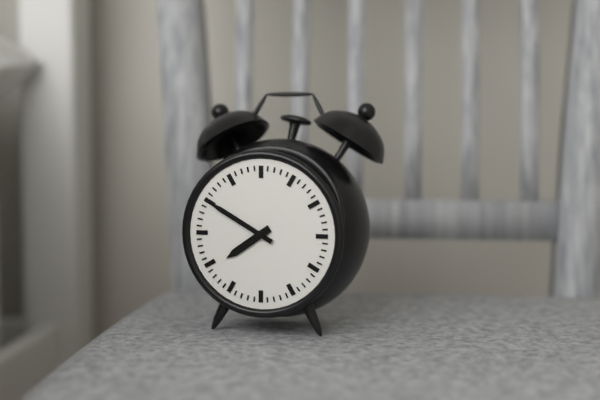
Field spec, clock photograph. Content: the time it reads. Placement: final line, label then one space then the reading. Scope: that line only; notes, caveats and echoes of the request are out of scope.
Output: 7:50
